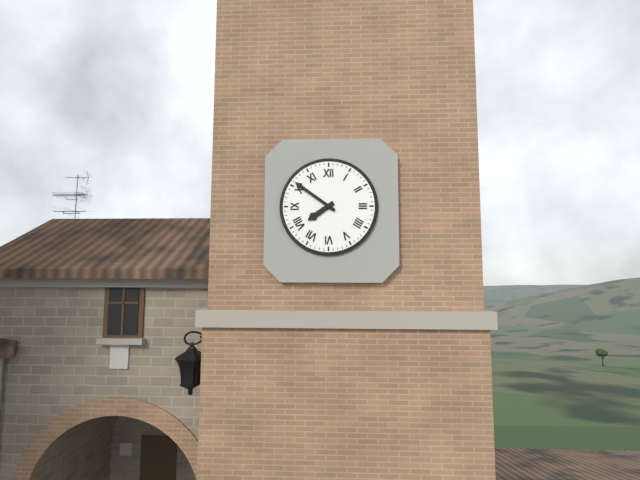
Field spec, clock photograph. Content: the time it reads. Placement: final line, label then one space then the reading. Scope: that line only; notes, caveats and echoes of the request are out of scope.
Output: 7:51
